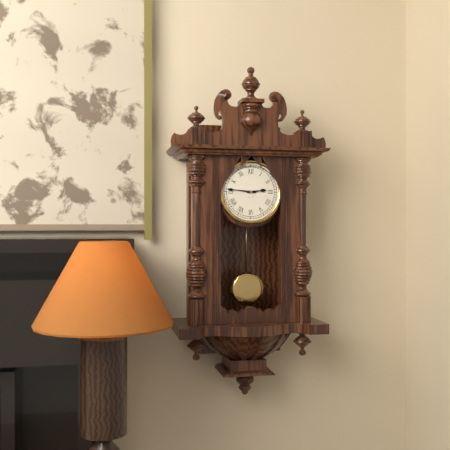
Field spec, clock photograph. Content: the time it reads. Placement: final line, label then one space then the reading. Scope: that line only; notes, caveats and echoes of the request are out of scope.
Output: 2:46
